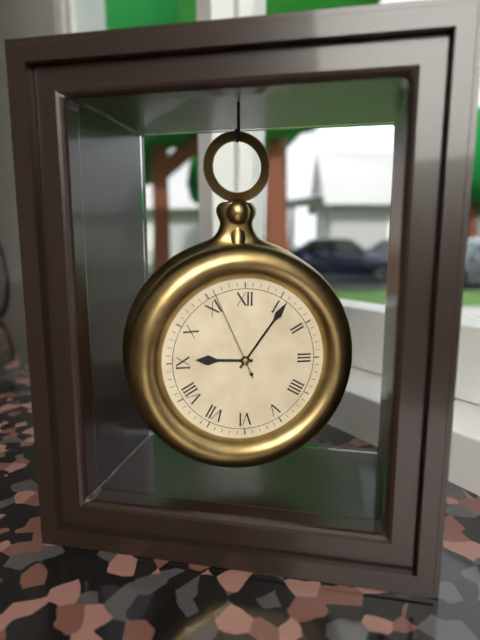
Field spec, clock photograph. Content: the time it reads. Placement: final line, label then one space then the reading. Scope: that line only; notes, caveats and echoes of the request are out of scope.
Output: 9:06:56
